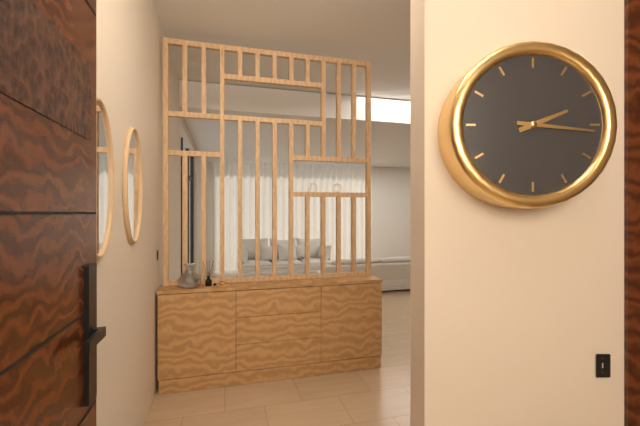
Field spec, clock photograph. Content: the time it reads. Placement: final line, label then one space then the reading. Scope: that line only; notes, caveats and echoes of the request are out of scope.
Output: 2:16
